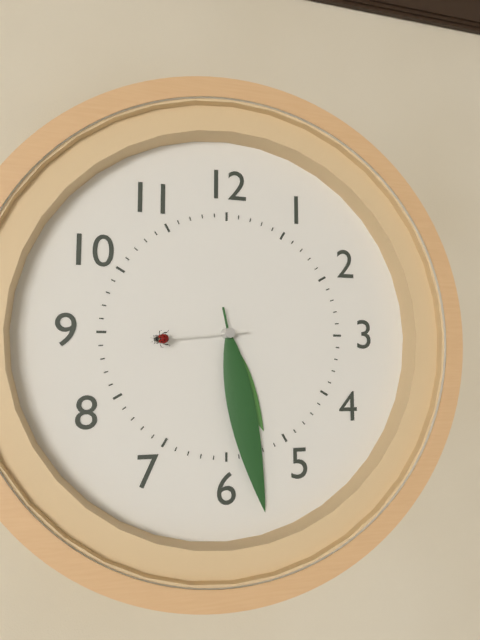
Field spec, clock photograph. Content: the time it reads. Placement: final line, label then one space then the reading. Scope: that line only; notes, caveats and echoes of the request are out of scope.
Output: 5:28:44
